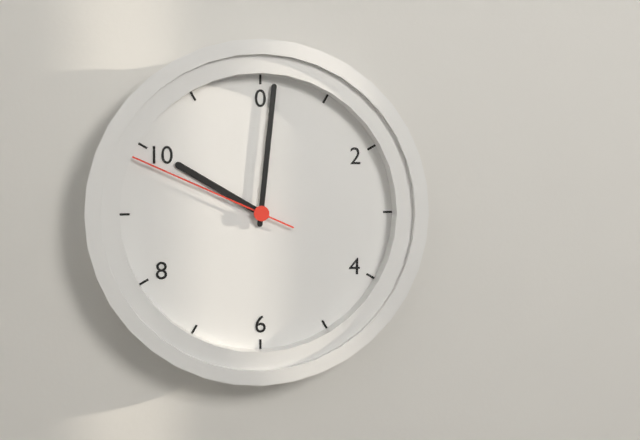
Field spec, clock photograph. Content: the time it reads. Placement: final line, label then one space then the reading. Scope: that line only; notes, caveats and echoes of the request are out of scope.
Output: 10:01:49
